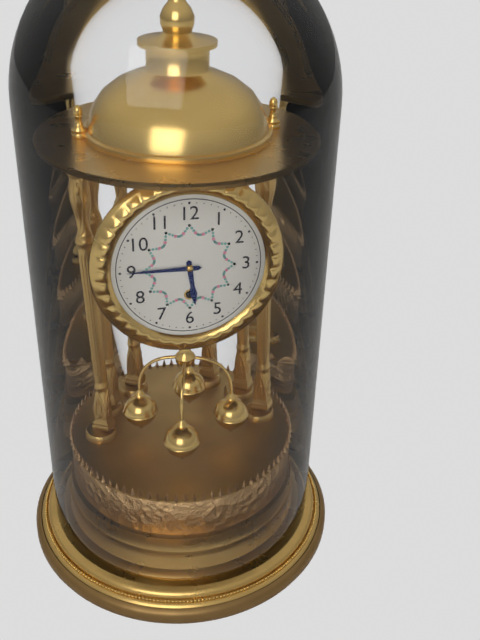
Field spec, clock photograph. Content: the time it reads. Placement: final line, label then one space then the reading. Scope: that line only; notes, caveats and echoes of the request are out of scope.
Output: 5:45
